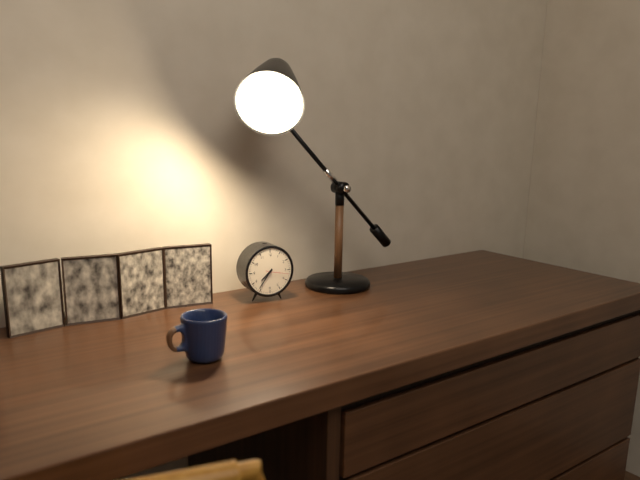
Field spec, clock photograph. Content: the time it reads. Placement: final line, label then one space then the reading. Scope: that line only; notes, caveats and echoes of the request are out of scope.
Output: 7:36
